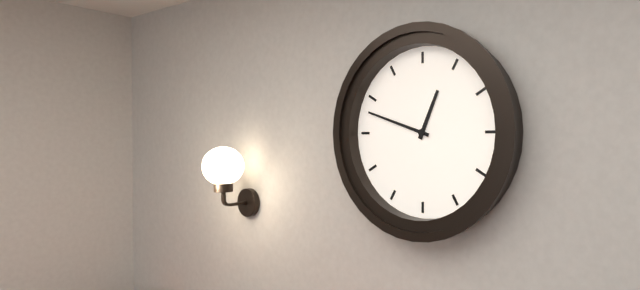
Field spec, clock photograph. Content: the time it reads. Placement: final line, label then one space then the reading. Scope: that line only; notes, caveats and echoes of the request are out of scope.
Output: 12:48
